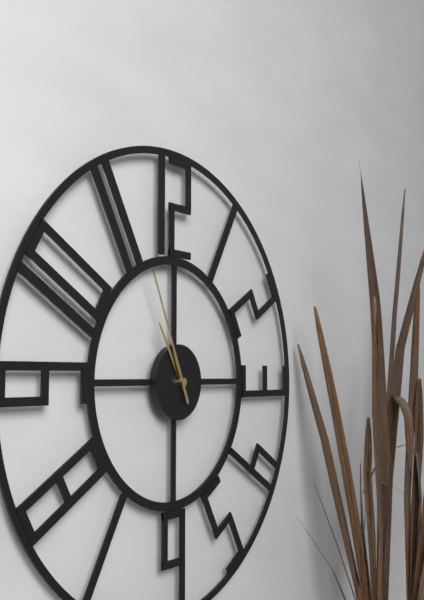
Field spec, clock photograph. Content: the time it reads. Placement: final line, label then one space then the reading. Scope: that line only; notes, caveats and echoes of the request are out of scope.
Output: 10:56
